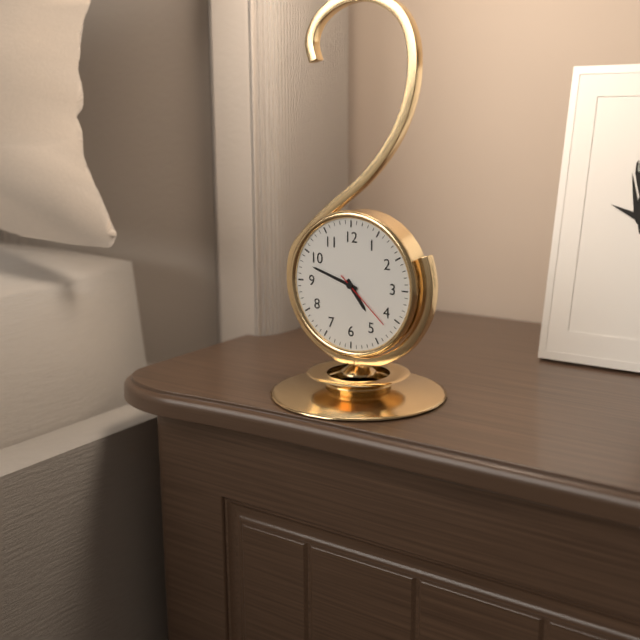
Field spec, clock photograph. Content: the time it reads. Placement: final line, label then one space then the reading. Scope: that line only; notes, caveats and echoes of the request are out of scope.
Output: 4:48:22
